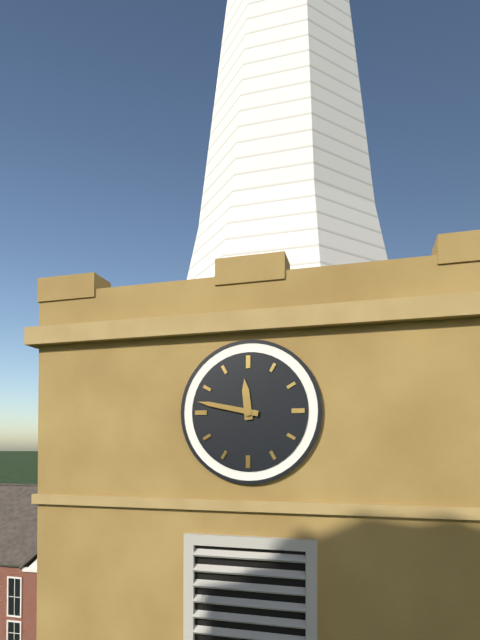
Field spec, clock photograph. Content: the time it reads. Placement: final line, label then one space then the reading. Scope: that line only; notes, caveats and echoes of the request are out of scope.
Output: 11:47
